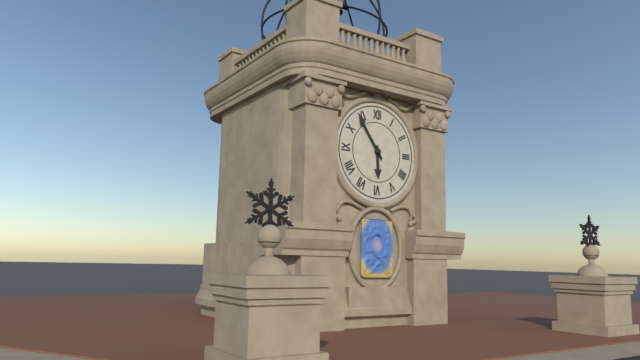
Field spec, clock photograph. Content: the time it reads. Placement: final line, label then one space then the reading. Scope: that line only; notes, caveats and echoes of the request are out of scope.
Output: 5:54
